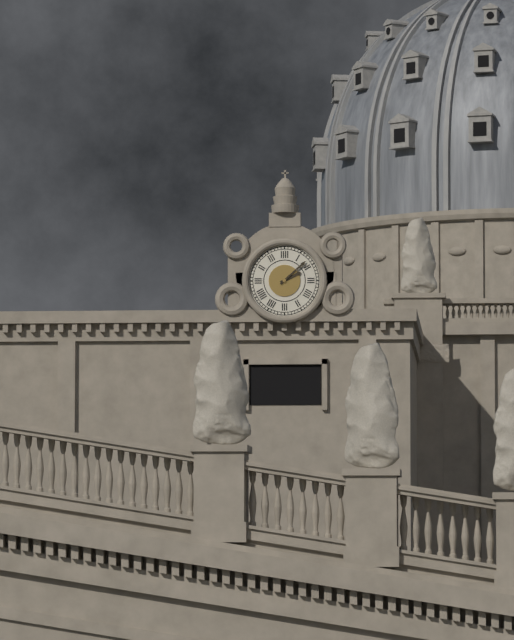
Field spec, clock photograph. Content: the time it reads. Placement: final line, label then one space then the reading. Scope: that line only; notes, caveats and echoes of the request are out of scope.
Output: 2:08
